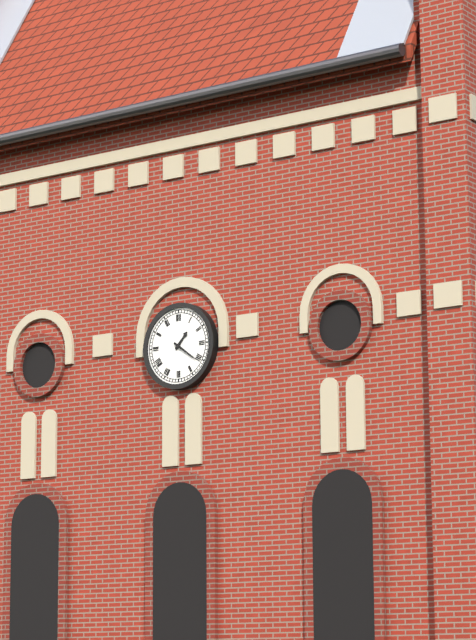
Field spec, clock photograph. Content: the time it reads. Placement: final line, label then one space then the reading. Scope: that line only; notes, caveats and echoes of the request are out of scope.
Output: 1:21
